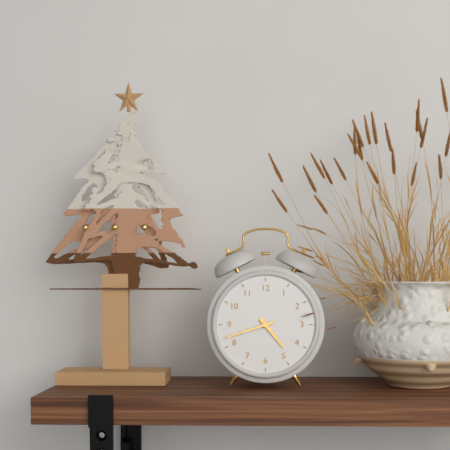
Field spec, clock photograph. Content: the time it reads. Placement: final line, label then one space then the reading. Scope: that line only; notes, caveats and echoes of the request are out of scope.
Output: 4:42
